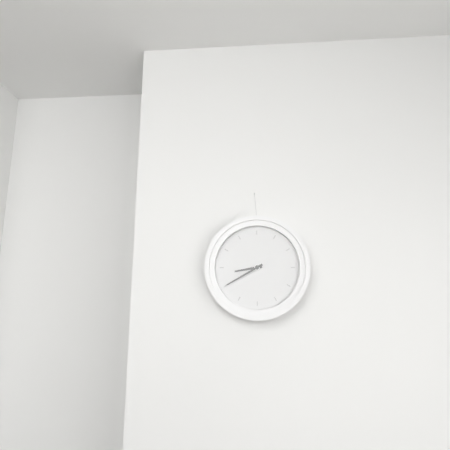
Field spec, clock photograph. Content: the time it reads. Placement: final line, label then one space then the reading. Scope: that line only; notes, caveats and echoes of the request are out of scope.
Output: 8:40
